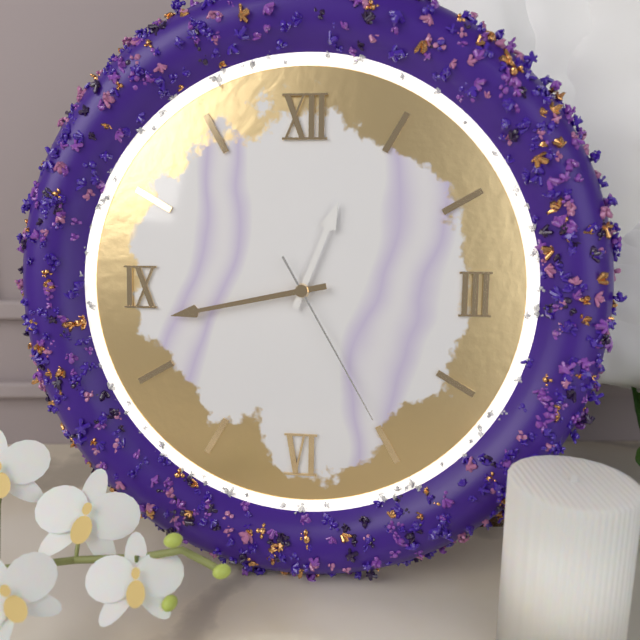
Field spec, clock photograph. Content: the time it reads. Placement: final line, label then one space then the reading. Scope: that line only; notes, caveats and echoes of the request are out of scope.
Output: 12:43:25
